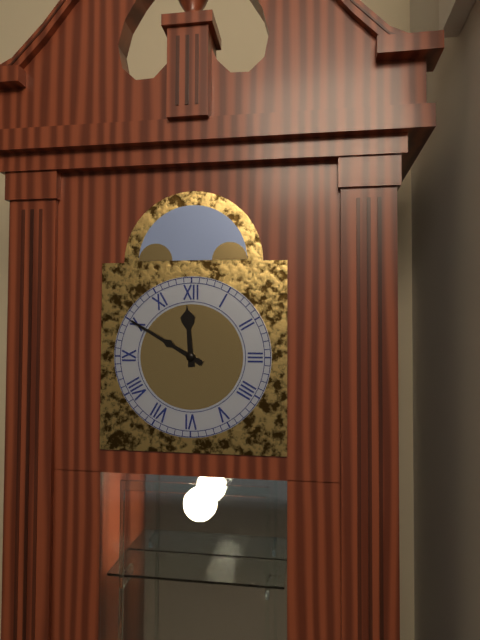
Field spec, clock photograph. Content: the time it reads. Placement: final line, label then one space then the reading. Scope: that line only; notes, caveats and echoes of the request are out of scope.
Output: 11:50
